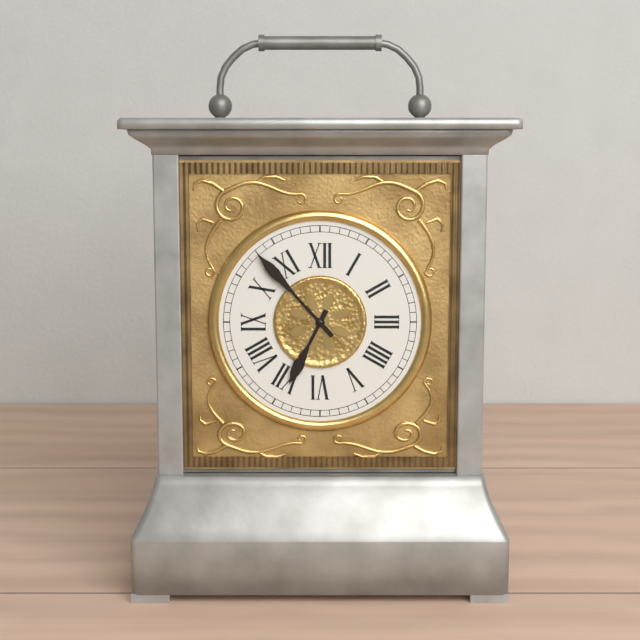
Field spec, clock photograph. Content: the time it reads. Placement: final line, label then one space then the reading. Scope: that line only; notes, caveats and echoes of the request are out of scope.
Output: 6:53
